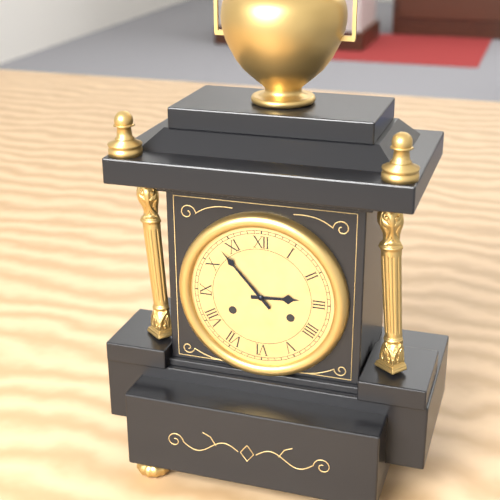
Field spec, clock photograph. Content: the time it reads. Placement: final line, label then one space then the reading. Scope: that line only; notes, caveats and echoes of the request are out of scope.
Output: 2:53
